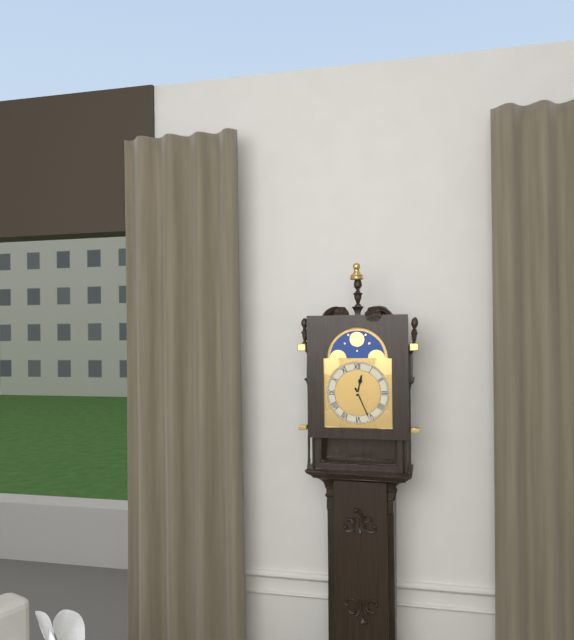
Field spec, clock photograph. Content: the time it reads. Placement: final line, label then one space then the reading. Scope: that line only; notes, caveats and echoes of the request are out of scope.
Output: 12:26
